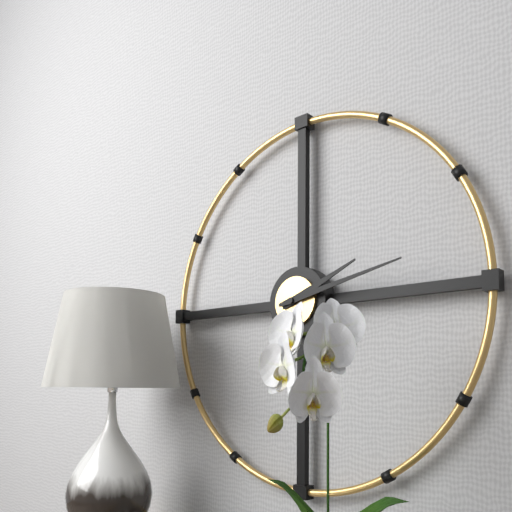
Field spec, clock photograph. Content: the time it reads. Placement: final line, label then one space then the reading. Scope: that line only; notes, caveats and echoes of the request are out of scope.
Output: 2:13
